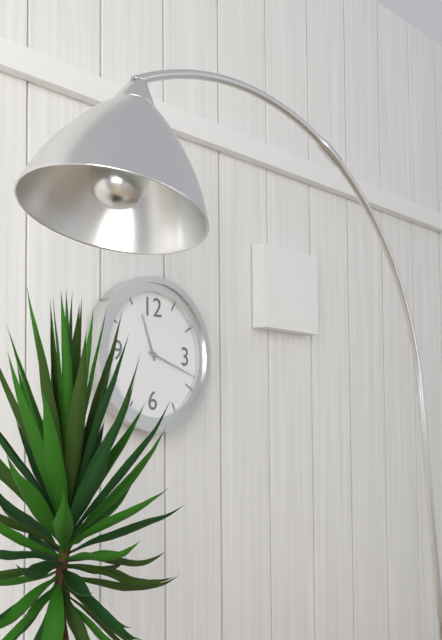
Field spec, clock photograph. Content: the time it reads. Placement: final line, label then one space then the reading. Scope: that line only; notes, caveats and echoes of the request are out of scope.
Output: 11:18
